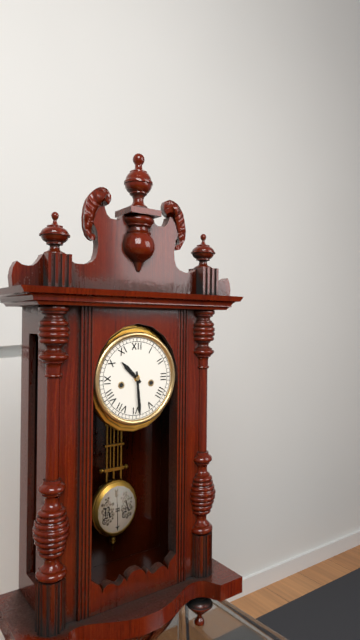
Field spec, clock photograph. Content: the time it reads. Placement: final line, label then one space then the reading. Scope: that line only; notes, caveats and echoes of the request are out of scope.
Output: 10:29
